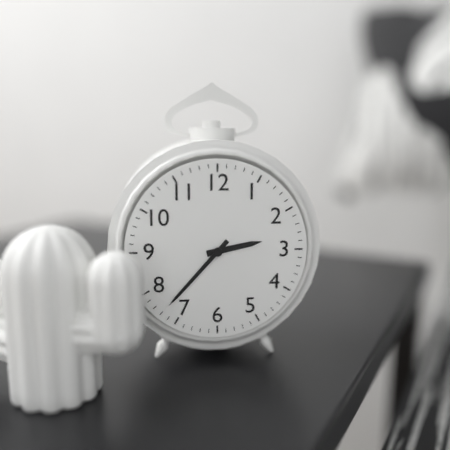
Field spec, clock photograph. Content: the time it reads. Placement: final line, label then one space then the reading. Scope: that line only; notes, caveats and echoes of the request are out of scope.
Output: 2:37
